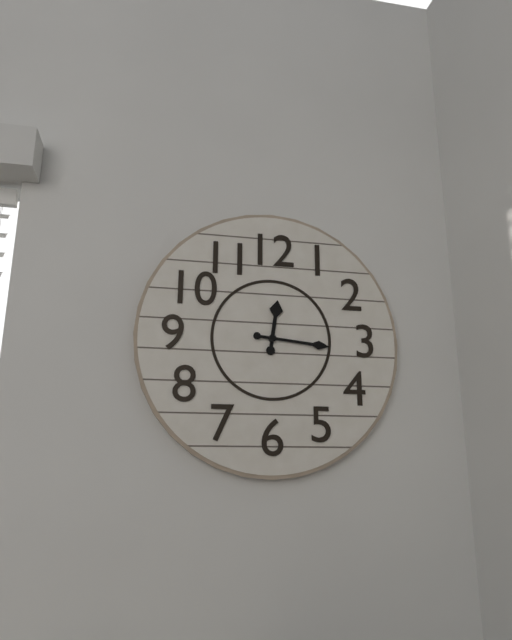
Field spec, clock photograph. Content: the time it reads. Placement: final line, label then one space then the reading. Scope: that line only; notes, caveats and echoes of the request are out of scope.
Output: 12:16
